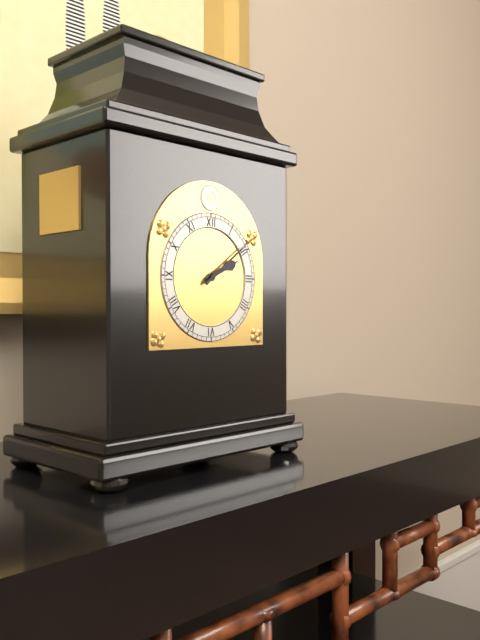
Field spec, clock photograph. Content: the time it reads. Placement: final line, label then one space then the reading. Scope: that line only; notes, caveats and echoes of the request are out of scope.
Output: 2:09
